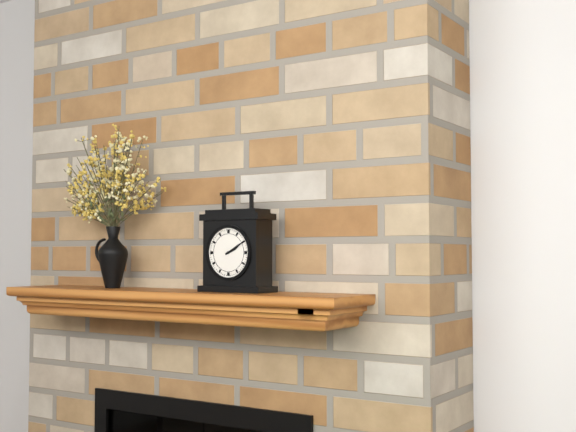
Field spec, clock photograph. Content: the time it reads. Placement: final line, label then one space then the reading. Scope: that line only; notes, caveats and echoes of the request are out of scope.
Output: 2:10
